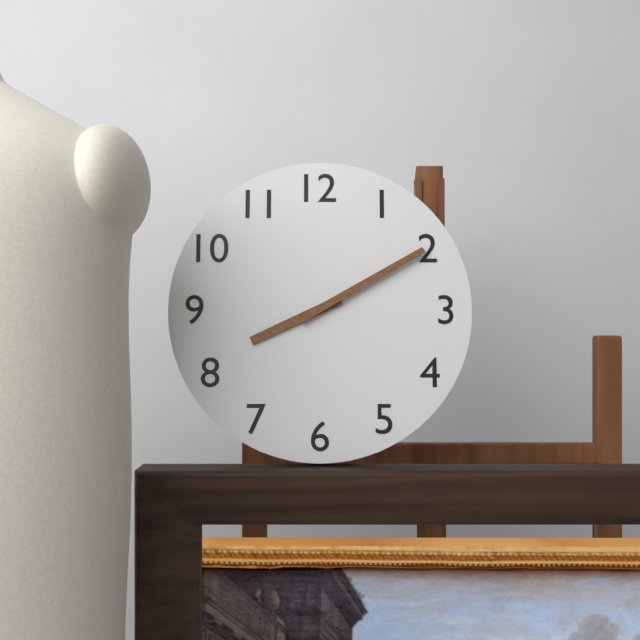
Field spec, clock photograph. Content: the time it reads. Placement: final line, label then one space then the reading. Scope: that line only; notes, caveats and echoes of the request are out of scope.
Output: 8:10
